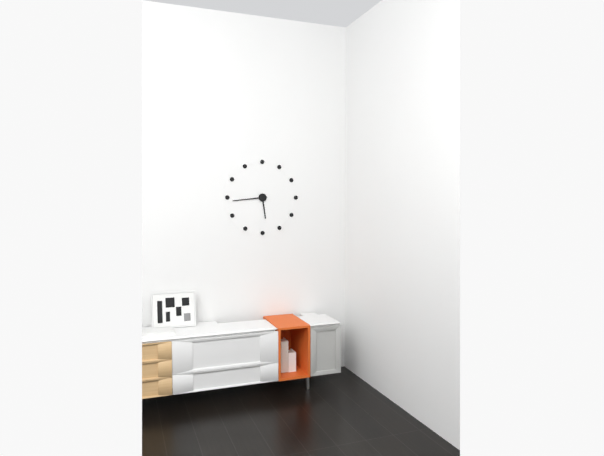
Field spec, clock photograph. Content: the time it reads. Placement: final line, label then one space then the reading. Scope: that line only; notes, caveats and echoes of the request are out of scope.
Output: 5:44
